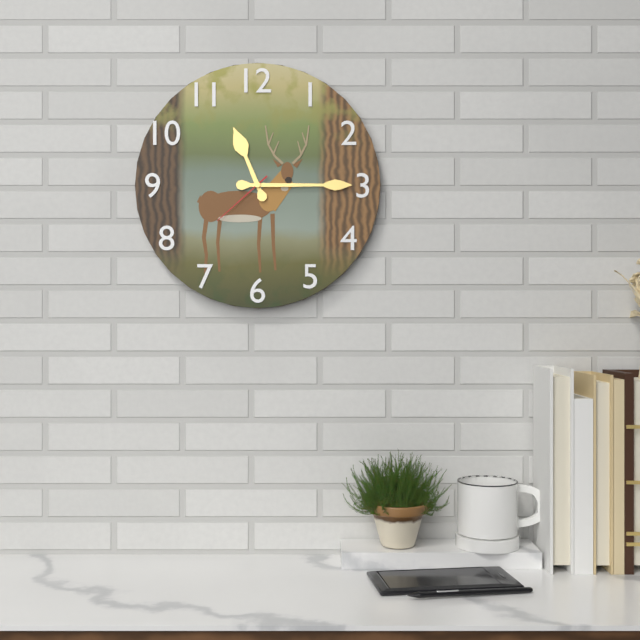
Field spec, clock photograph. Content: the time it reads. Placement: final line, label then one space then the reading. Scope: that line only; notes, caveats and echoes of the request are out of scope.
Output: 11:15:38
